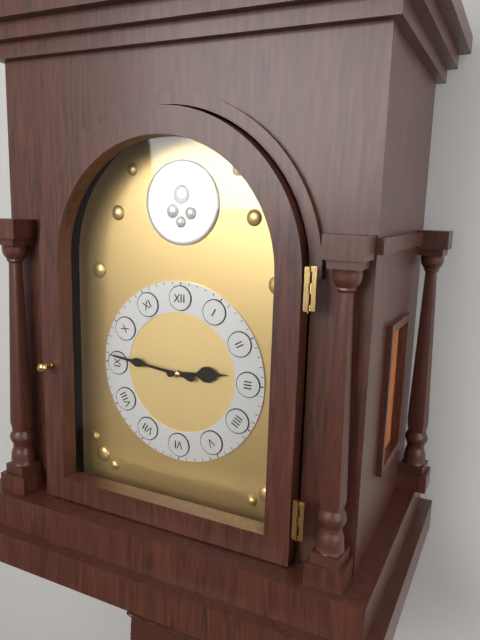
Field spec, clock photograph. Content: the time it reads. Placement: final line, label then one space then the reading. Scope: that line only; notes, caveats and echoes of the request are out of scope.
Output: 2:46
